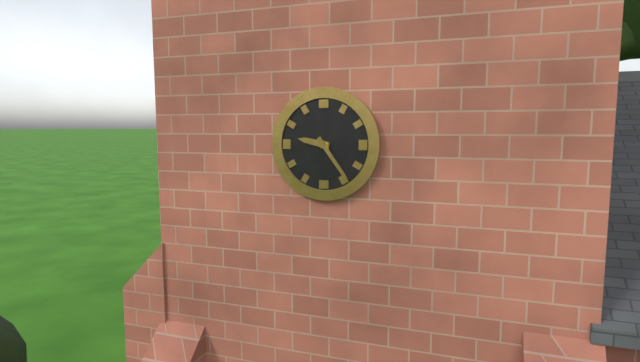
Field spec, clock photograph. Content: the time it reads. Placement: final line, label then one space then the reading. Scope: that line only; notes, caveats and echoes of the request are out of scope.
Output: 9:24
